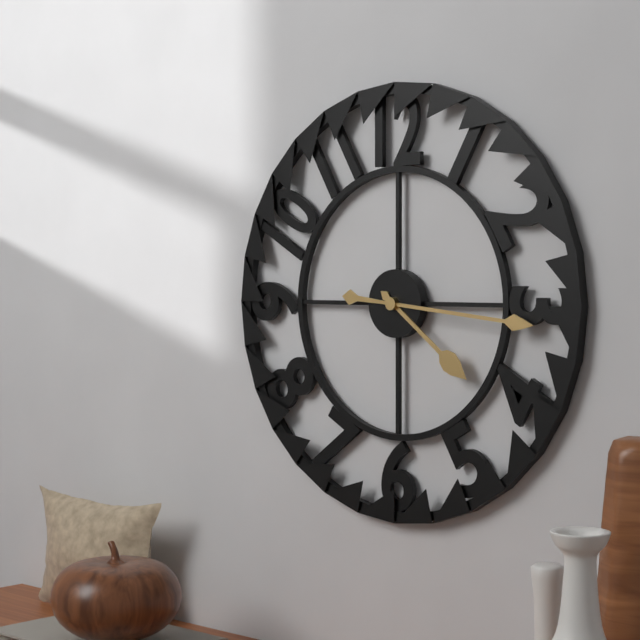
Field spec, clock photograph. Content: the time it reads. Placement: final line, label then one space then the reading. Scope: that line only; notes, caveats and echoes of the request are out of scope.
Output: 4:16
